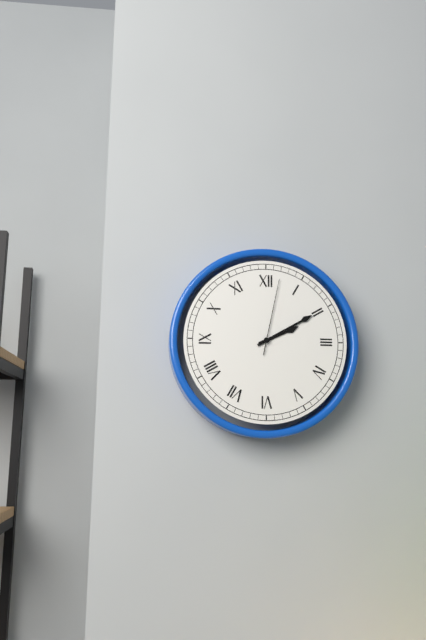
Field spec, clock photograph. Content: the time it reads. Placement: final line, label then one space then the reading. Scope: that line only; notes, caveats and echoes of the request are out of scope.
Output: 2:10:02
